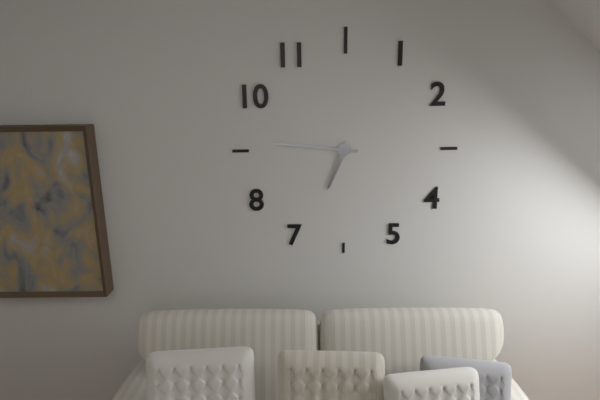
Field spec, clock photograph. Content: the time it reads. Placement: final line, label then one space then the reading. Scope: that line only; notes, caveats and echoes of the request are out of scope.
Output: 6:46
